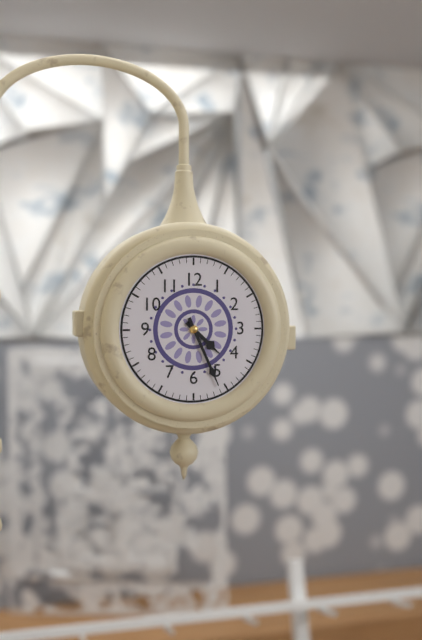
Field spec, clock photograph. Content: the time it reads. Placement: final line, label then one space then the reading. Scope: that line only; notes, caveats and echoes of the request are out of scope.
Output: 4:26
